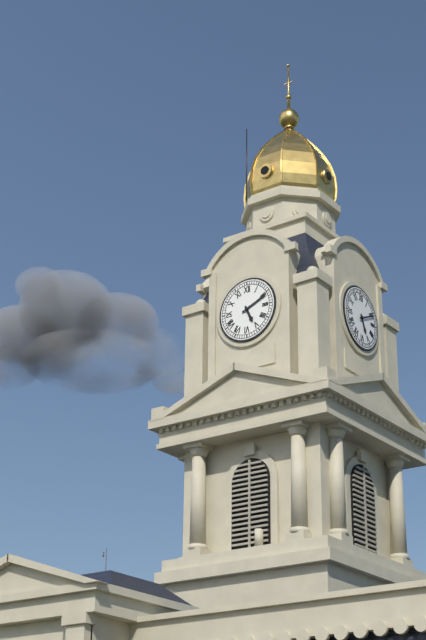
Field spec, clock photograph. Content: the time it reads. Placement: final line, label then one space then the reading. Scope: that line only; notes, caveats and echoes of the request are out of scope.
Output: 5:11
